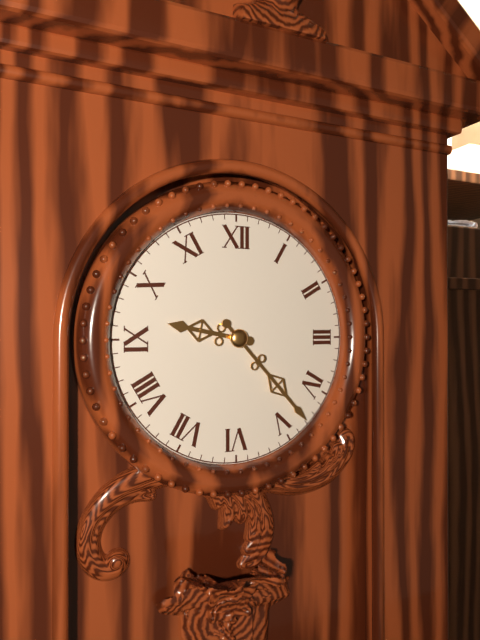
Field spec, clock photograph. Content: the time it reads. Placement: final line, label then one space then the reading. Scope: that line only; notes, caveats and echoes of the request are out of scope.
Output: 9:23
